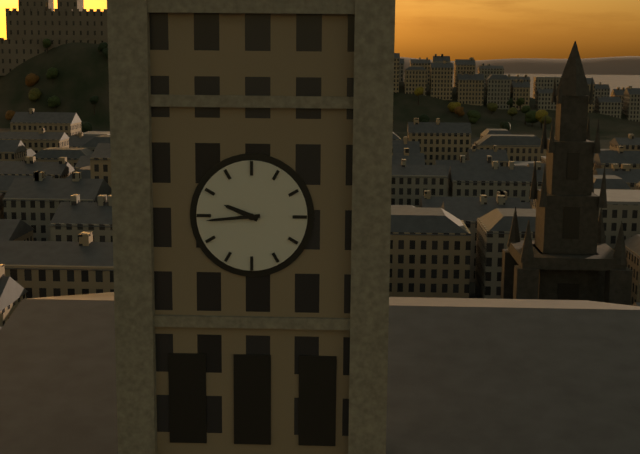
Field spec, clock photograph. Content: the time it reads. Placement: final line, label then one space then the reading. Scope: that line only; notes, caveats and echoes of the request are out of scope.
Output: 9:44
